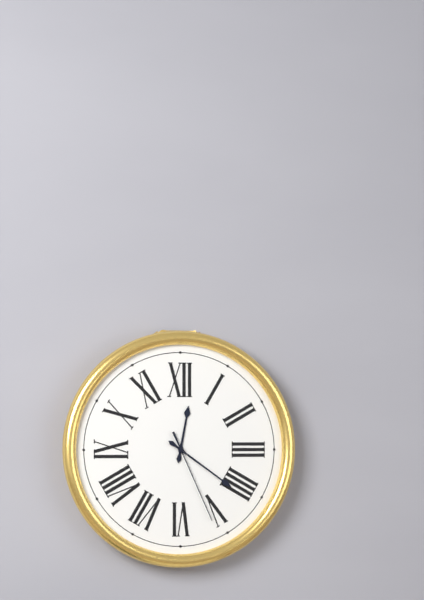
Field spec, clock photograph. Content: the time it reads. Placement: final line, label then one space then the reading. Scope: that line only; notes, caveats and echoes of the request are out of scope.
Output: 12:21:26
